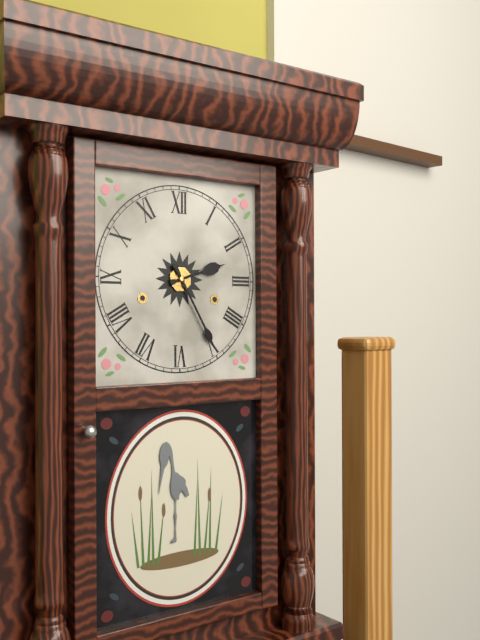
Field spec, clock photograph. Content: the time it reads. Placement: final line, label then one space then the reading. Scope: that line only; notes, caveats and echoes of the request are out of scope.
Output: 2:25
